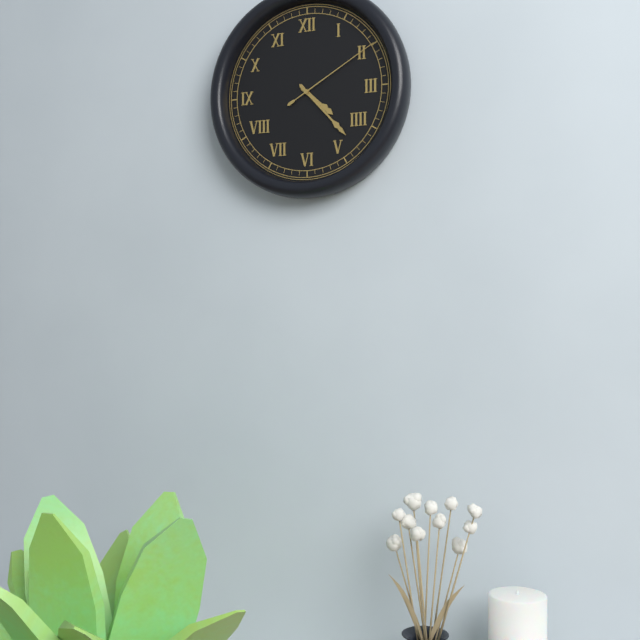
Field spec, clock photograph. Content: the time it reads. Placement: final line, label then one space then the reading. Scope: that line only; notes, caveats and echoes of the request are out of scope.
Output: 4:23:10
